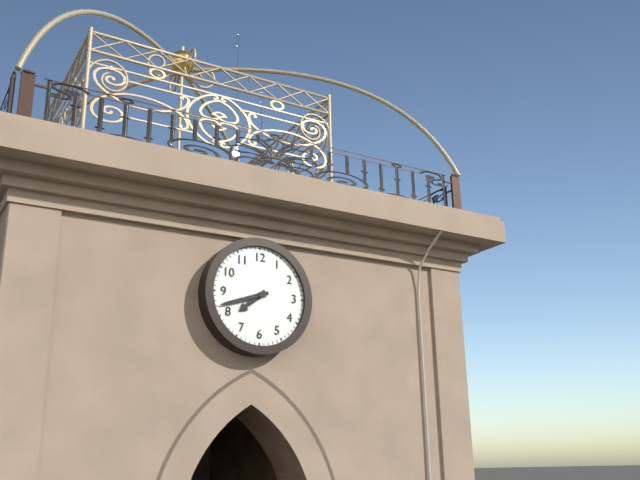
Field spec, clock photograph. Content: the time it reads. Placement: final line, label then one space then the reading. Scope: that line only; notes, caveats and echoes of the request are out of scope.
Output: 7:42
